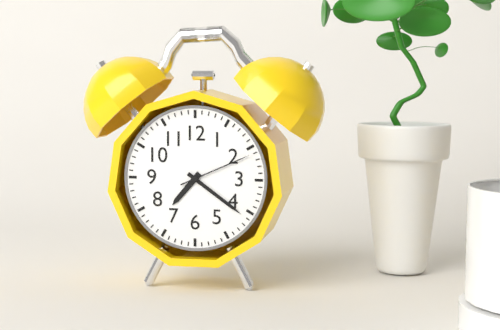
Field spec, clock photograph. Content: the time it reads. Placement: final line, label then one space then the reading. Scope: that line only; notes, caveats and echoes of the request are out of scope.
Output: 7:21:11
